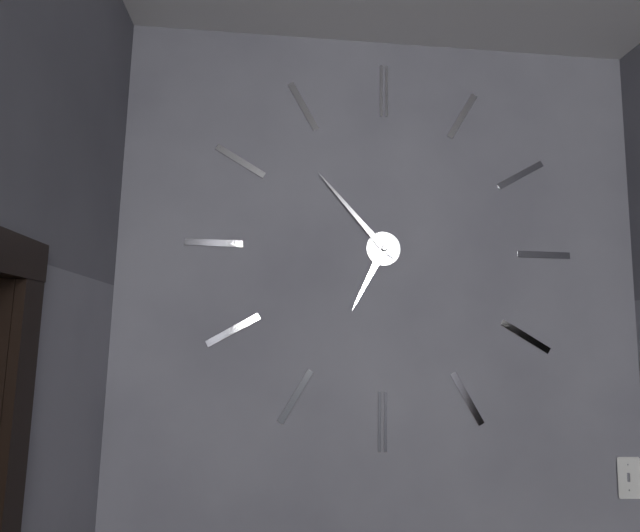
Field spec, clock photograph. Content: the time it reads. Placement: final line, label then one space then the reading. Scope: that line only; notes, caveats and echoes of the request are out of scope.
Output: 6:53
